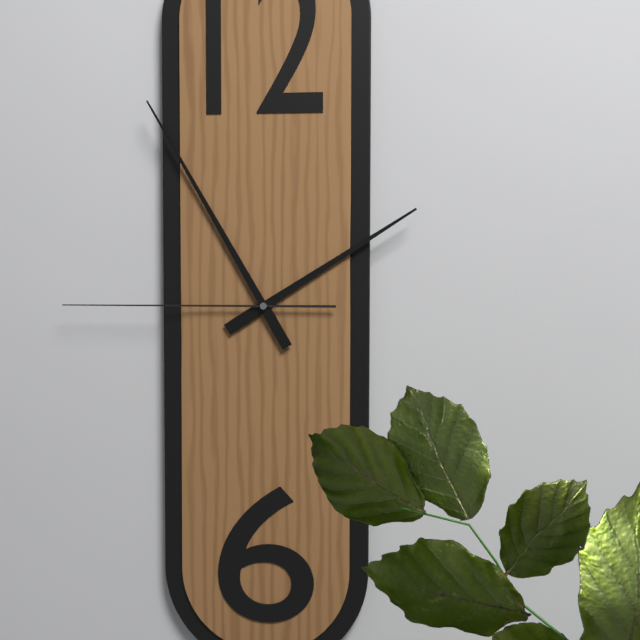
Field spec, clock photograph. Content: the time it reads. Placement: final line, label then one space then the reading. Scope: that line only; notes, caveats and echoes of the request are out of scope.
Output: 1:55:45
